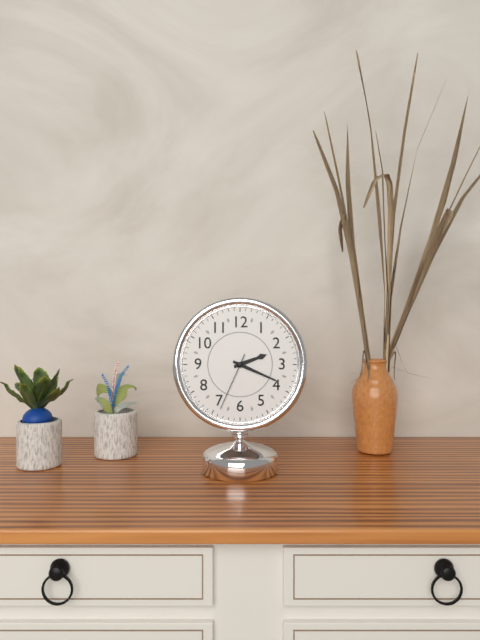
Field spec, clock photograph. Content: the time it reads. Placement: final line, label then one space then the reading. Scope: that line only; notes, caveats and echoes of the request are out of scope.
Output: 2:19:34
